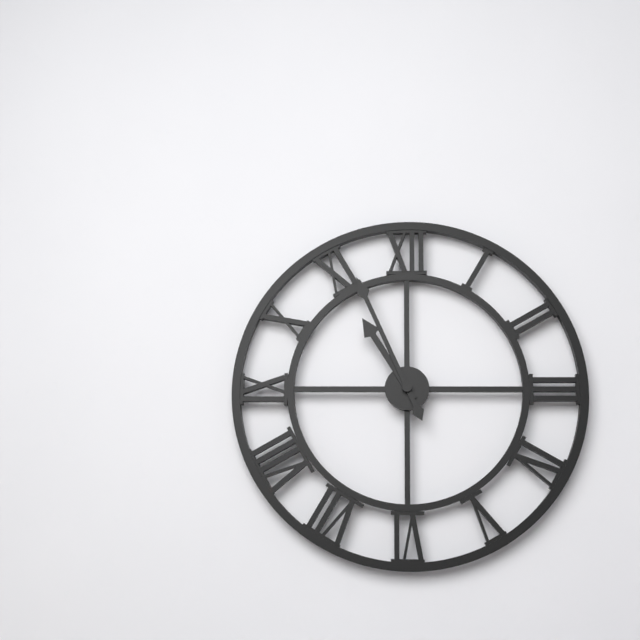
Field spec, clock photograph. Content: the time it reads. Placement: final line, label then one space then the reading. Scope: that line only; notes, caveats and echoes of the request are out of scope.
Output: 10:56
